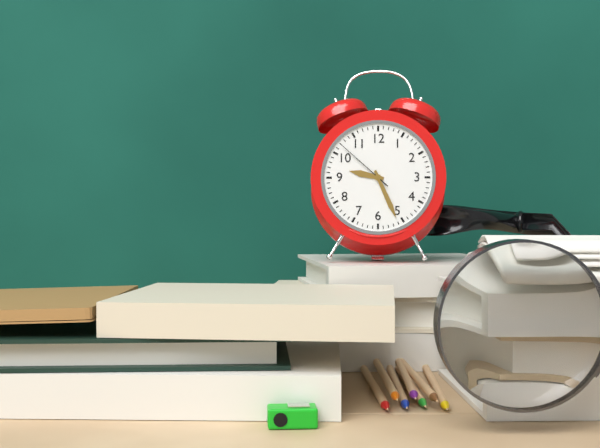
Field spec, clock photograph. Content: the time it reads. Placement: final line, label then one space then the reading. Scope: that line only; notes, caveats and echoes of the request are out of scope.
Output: 9:26:52
